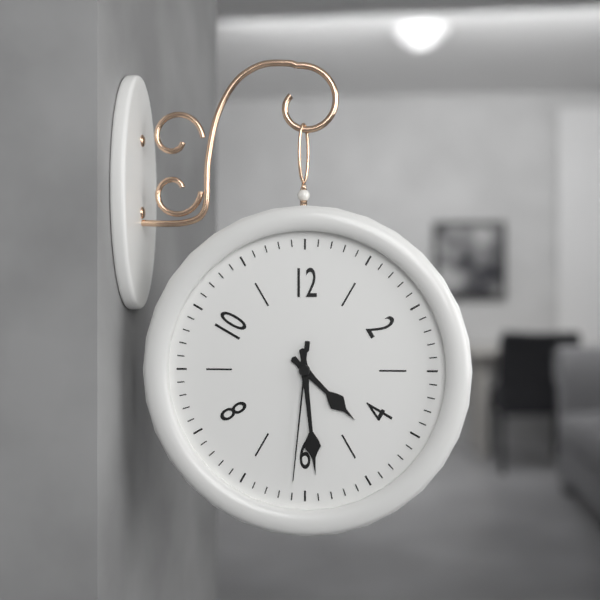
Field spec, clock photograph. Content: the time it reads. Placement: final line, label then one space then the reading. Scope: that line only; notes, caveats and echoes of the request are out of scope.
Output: 4:29:31
